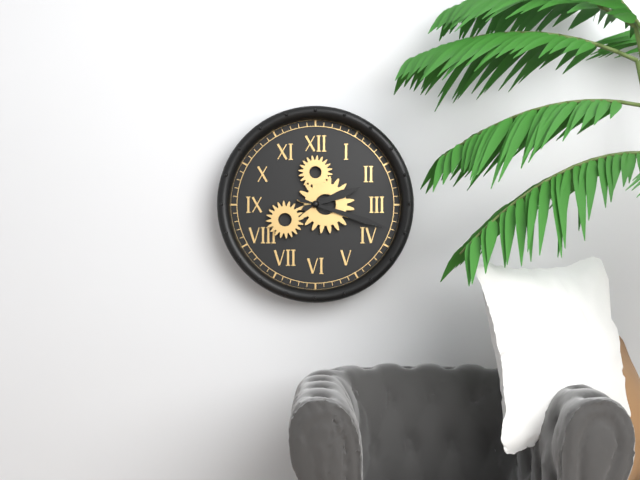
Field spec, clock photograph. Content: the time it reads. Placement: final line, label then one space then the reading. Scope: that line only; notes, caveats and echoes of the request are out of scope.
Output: 2:18
